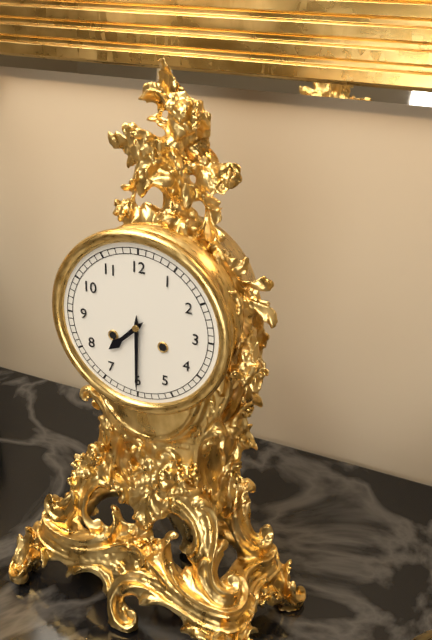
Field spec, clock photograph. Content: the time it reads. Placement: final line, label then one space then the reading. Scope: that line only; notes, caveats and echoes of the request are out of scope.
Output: 7:30
